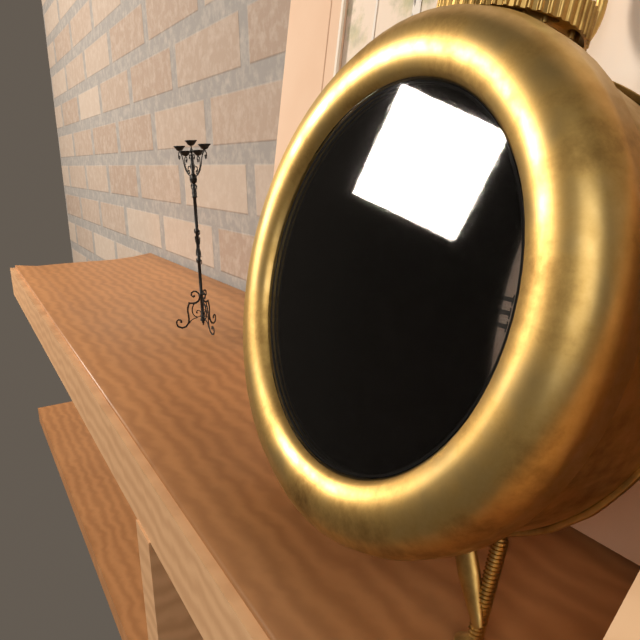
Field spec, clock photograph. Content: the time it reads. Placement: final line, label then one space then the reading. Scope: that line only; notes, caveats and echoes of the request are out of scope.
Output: 6:02:35
